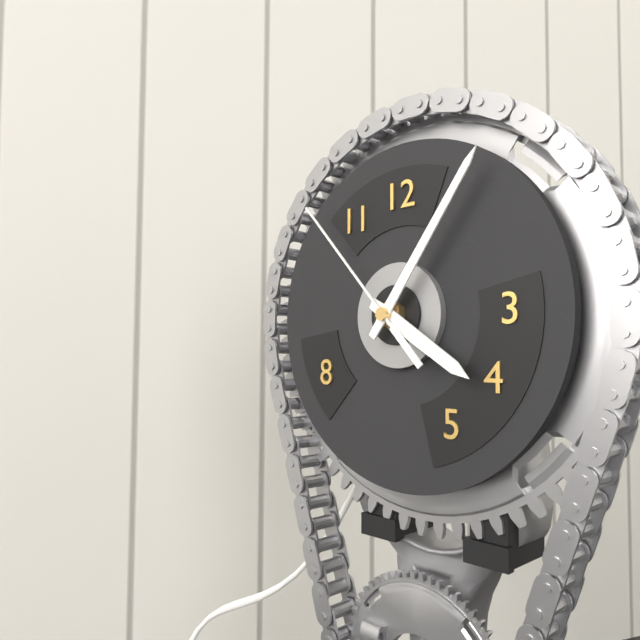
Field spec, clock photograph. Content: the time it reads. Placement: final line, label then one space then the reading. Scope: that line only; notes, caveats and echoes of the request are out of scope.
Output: 4:06:53
